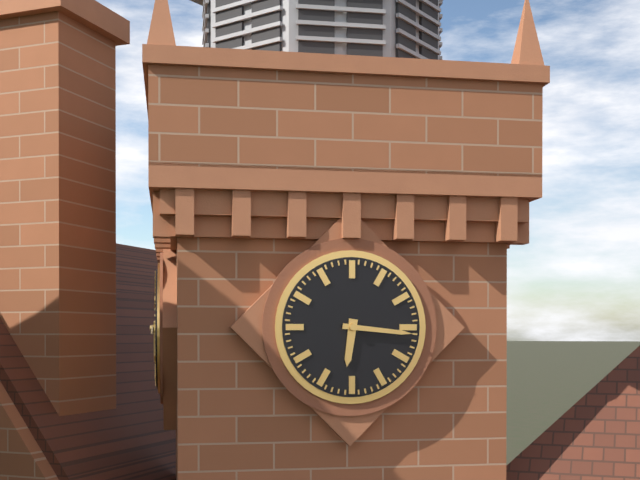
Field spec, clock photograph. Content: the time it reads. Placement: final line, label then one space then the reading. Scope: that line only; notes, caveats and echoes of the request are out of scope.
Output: 6:16
